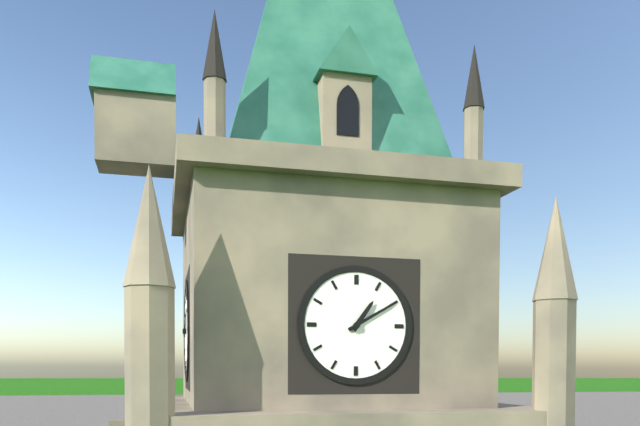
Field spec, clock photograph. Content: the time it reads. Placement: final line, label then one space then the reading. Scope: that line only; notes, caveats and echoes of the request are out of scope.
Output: 1:10
